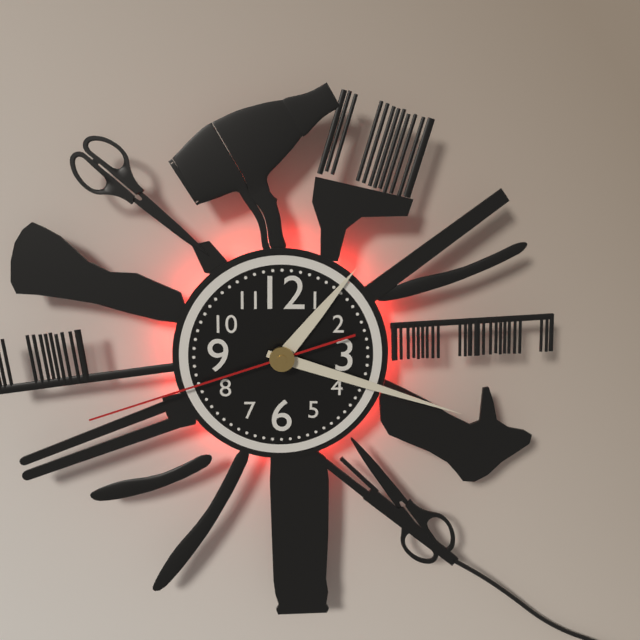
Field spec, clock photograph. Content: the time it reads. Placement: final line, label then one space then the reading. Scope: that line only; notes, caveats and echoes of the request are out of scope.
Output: 1:18:42
